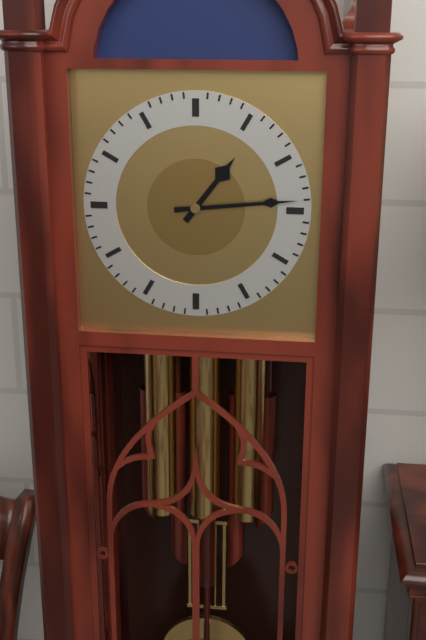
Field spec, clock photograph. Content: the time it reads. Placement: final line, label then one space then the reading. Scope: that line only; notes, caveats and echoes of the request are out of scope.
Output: 1:14
